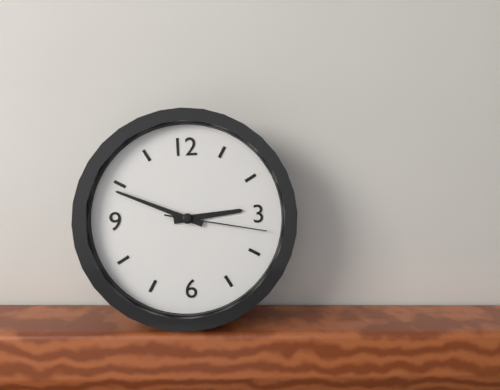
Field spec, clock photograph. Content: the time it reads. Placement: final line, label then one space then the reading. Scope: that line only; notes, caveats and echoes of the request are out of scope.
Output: 2:49:17
